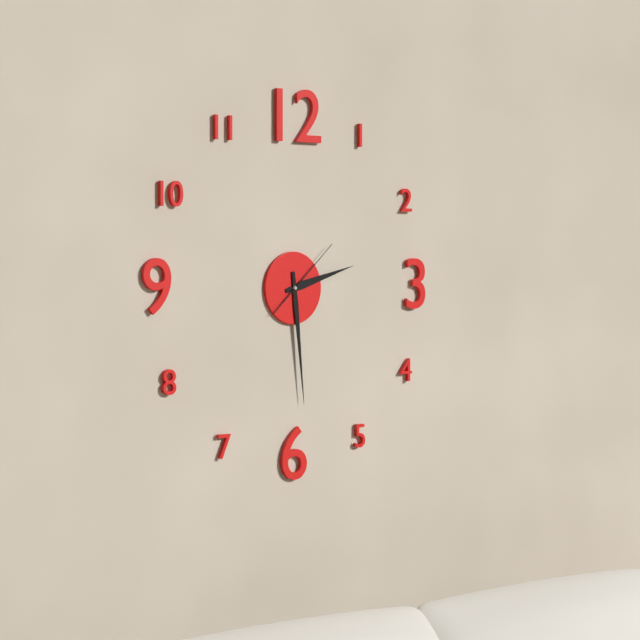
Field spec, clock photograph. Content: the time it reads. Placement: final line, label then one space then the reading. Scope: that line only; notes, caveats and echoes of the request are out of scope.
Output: 2:29:08
